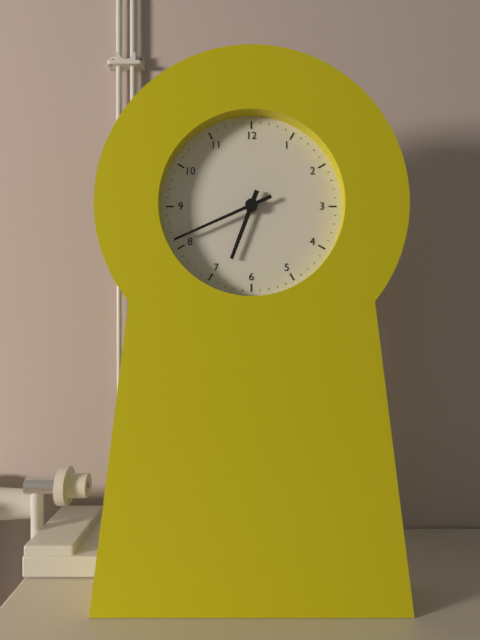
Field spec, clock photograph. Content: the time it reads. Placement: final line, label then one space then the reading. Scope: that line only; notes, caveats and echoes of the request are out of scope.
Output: 6:41
